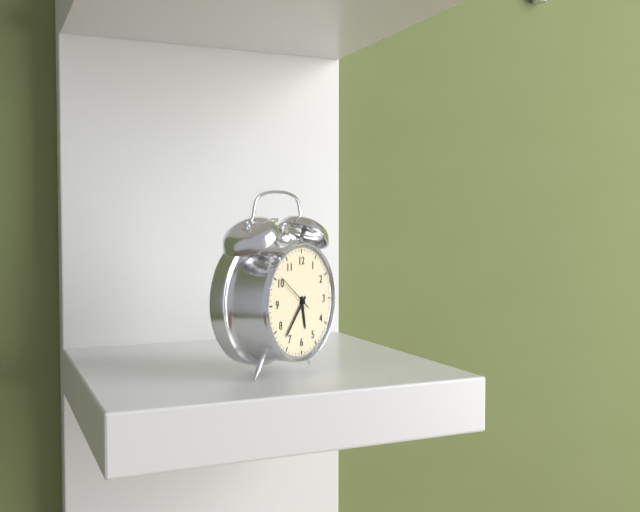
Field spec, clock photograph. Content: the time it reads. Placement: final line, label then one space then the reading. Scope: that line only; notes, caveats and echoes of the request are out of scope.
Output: 5:37
